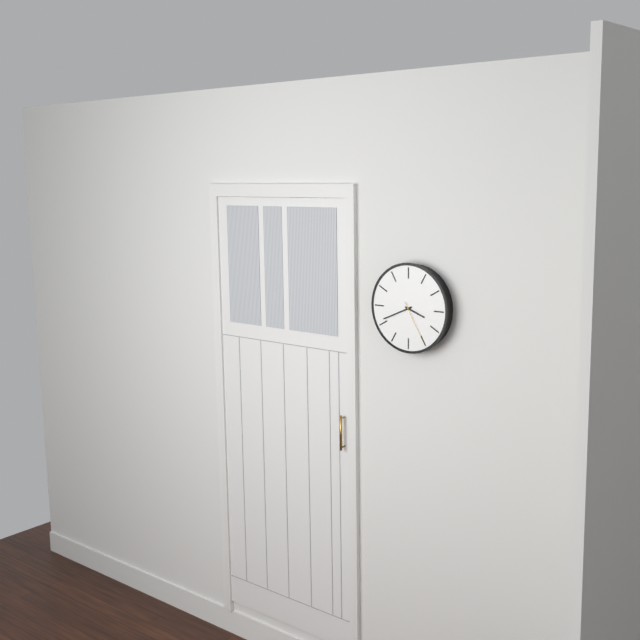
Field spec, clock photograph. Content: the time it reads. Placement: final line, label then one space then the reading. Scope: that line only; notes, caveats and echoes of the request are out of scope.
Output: 3:41
